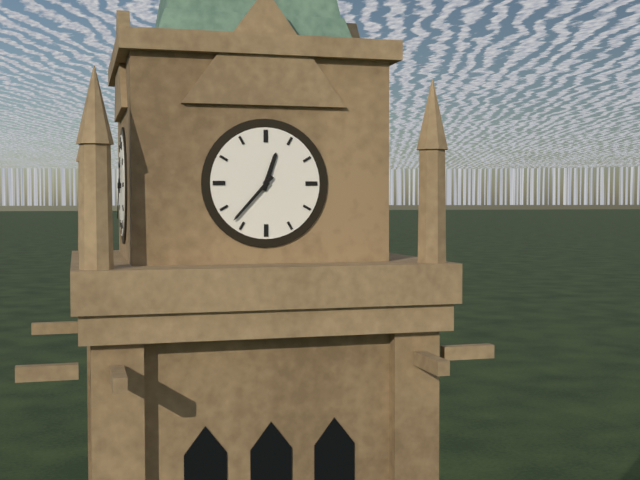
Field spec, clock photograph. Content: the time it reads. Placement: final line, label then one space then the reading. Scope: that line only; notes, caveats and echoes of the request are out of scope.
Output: 12:37
